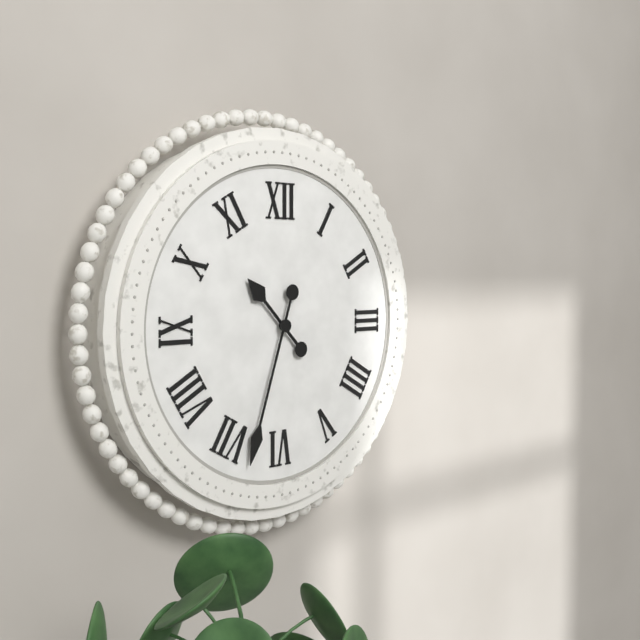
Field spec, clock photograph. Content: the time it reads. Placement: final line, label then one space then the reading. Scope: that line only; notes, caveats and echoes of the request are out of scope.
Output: 10:33
